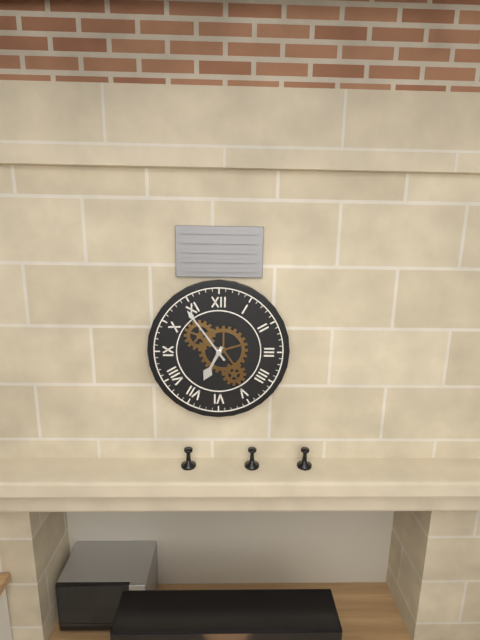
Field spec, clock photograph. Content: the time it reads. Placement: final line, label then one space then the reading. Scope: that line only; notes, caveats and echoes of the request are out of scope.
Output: 6:54
